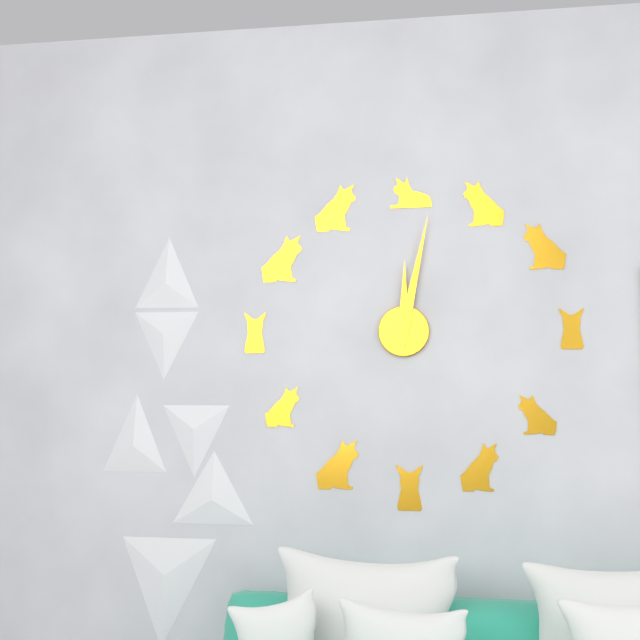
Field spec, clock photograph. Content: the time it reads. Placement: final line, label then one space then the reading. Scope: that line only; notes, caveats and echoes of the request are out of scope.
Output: 12:02
